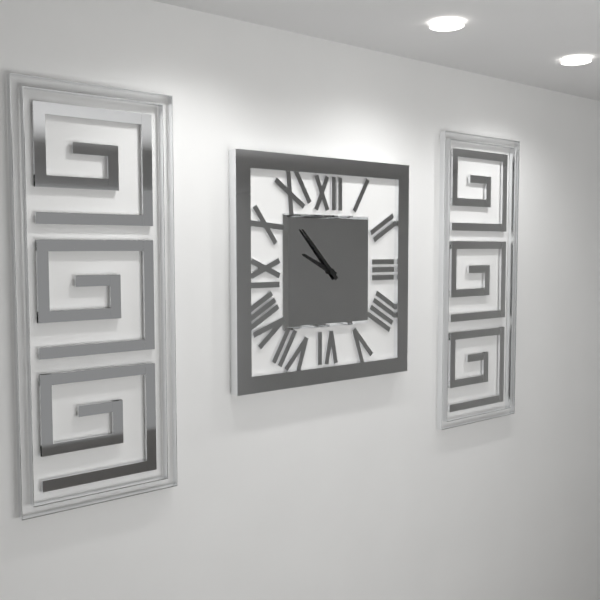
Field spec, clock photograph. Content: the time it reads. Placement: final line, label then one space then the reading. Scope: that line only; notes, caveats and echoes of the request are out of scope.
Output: 9:53
